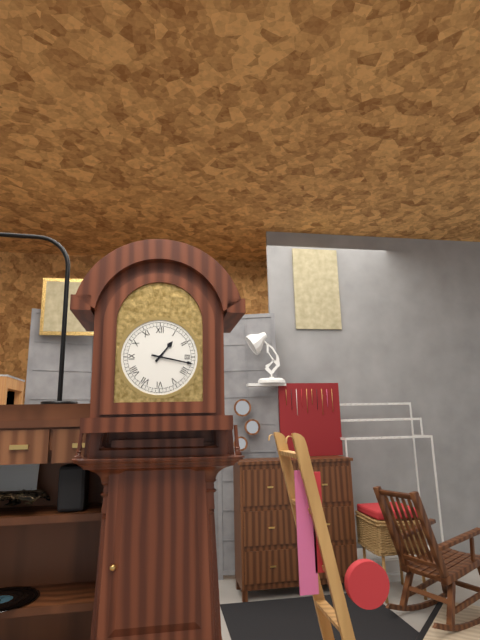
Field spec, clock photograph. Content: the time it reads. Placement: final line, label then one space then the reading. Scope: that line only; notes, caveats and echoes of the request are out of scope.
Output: 1:17
